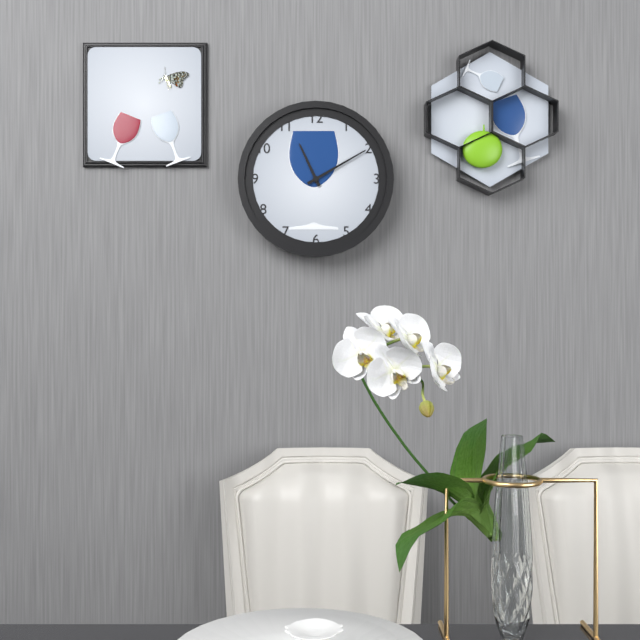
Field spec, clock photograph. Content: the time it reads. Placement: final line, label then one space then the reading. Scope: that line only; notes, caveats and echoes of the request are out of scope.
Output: 11:10
